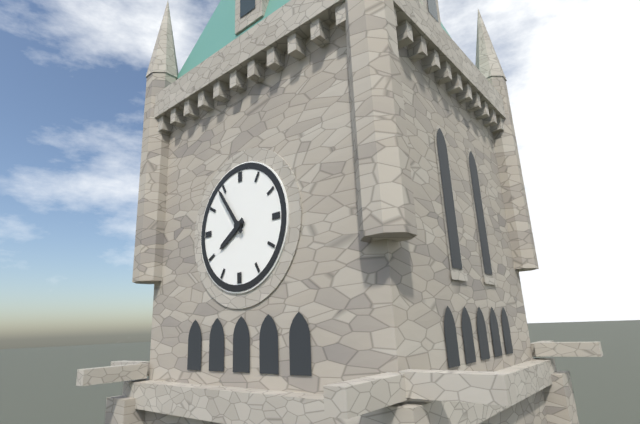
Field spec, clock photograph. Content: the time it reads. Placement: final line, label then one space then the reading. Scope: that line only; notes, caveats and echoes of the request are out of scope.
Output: 7:54
